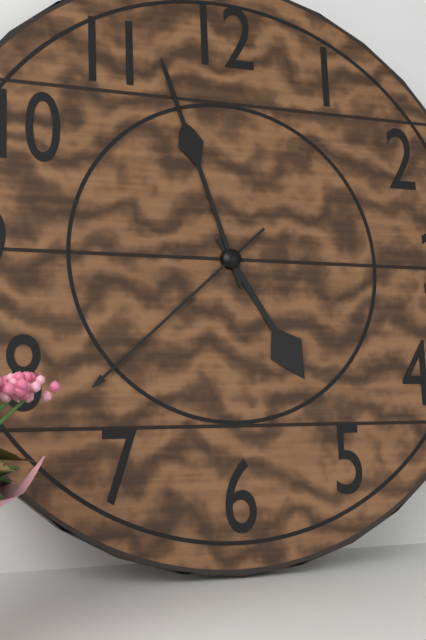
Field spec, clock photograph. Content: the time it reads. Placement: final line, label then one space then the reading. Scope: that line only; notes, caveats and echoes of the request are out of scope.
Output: 4:57:38
